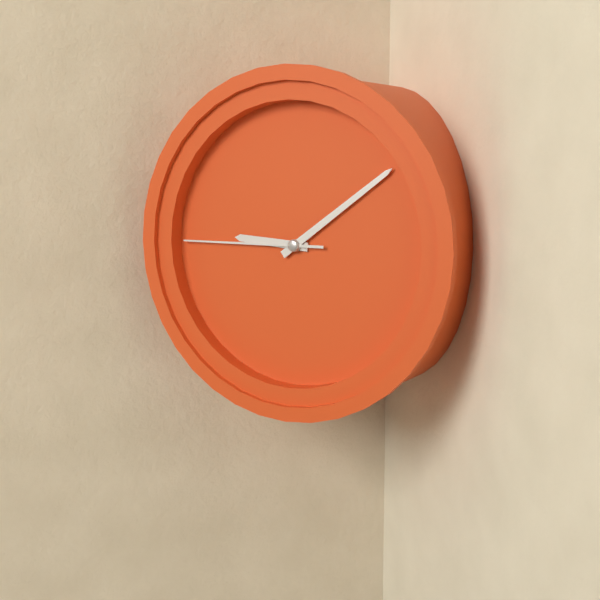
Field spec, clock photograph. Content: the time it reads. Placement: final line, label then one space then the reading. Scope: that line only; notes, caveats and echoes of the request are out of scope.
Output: 9:09:45
